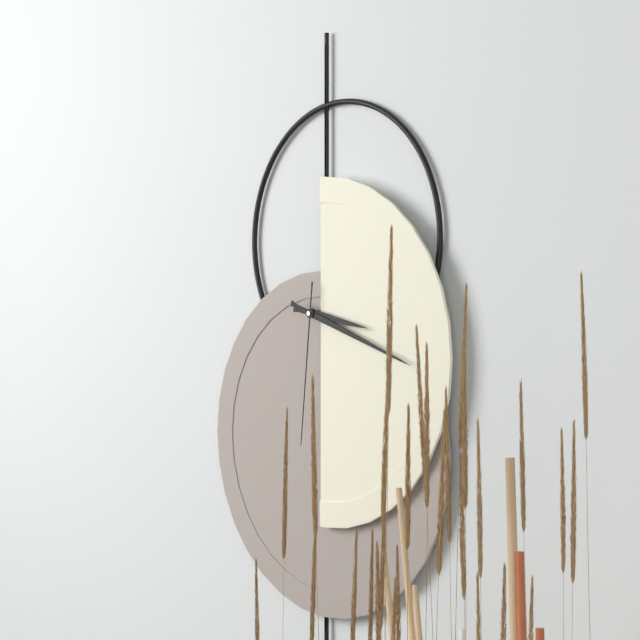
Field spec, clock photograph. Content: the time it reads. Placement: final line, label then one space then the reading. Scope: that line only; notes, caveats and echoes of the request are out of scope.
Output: 3:18:31
